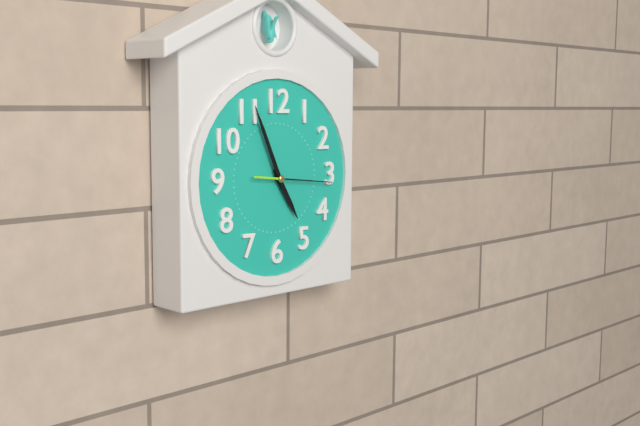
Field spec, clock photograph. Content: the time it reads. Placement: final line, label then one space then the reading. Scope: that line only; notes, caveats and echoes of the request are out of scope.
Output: 4:56:16
